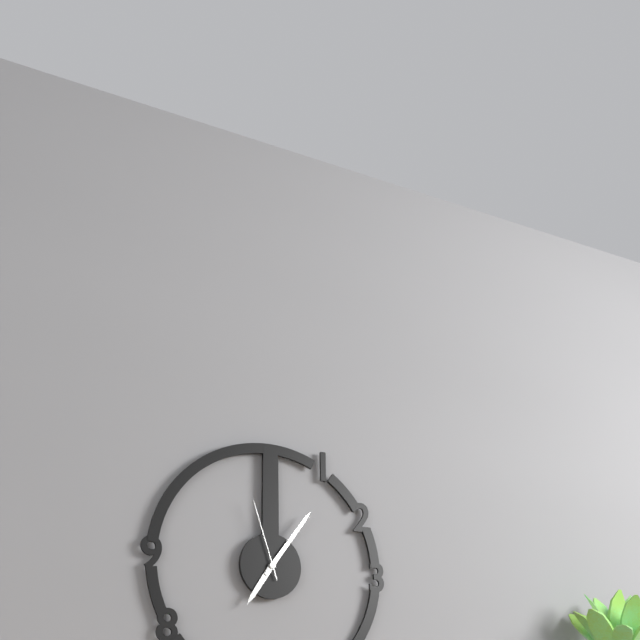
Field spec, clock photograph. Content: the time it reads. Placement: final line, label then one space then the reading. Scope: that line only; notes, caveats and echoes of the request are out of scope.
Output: 7:06:57
